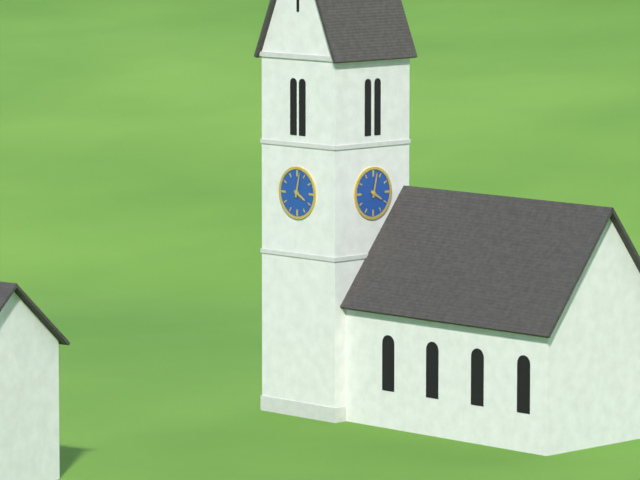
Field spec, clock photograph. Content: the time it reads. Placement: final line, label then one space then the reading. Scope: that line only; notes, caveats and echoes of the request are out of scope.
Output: 4:02
